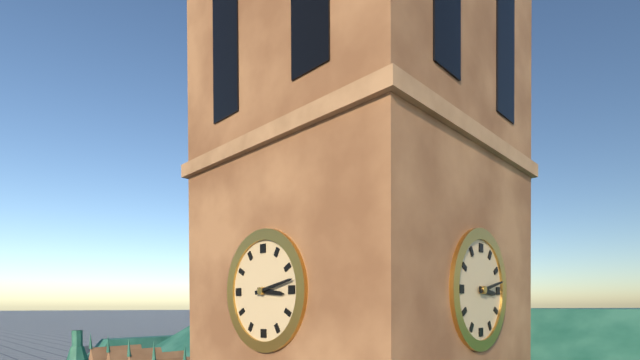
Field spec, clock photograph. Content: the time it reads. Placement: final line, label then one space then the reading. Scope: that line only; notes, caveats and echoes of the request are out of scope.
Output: 3:13
